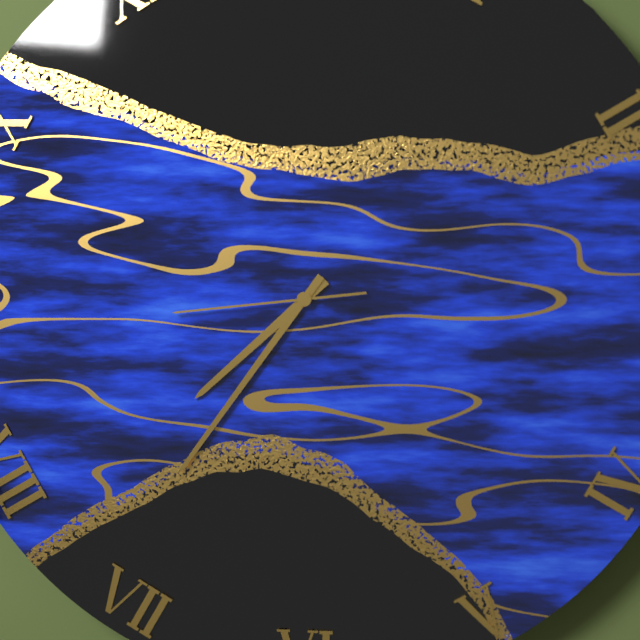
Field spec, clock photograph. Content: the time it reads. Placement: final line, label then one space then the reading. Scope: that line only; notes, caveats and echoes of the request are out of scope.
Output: 7:36:44
